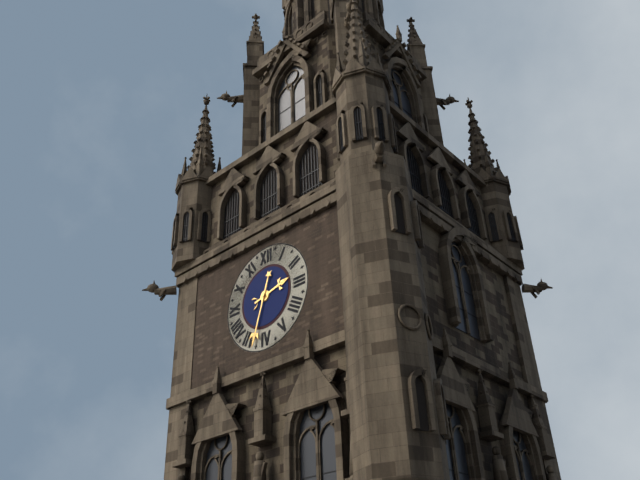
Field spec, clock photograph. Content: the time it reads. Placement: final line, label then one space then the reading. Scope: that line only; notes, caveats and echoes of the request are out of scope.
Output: 2:33
